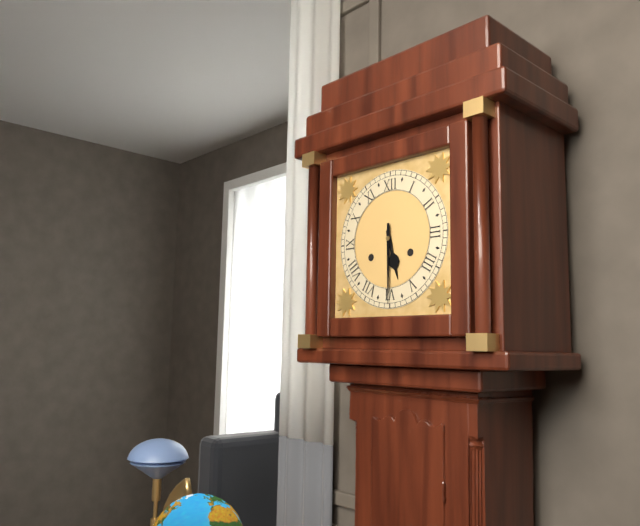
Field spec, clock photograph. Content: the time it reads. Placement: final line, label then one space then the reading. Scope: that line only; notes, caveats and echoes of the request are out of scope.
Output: 5:30
